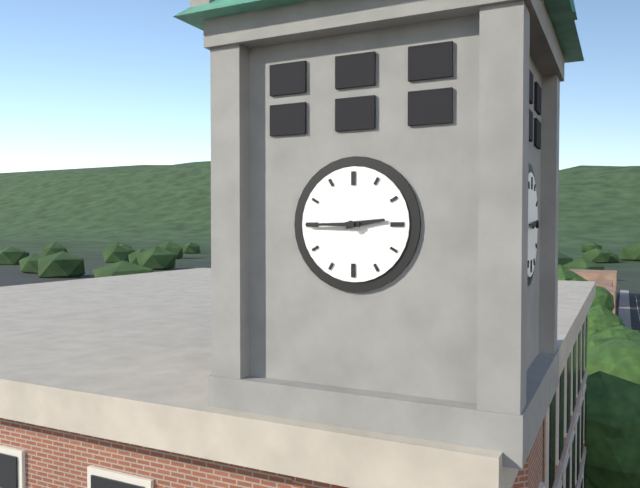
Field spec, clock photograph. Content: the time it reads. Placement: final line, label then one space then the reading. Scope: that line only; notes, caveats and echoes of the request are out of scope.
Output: 2:45
